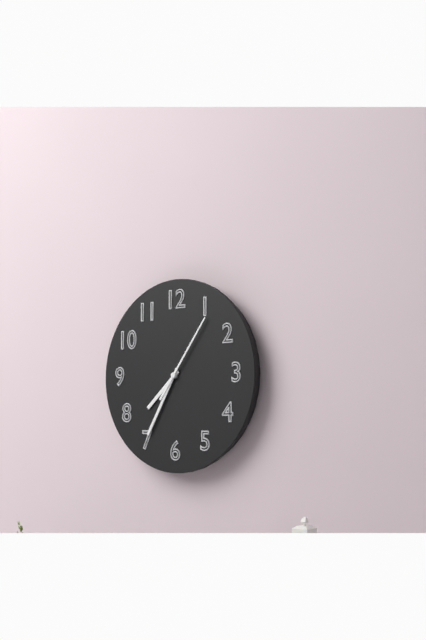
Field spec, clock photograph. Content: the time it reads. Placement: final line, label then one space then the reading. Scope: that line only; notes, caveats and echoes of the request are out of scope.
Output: 7:35:06
